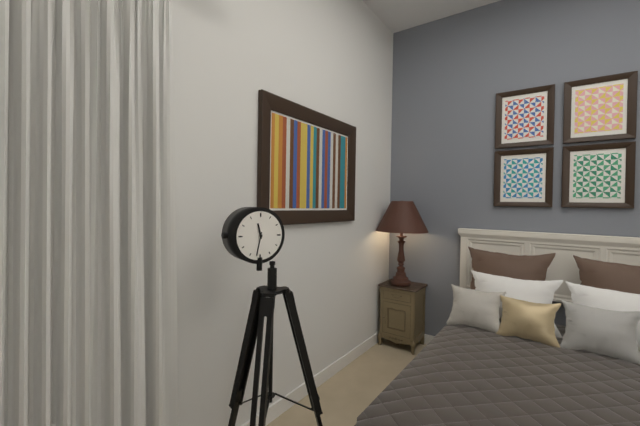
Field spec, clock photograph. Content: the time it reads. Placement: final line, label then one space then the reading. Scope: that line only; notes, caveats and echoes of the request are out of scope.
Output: 11:32
